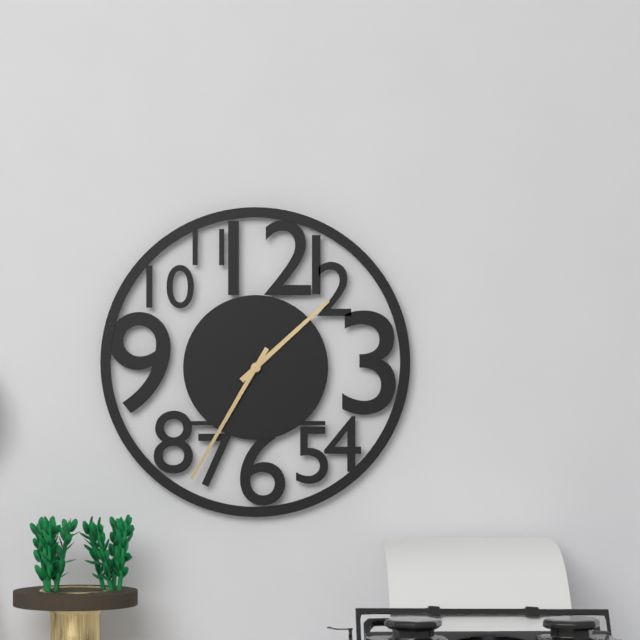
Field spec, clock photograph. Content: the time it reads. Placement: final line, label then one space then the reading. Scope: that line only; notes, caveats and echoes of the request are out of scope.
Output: 1:35
